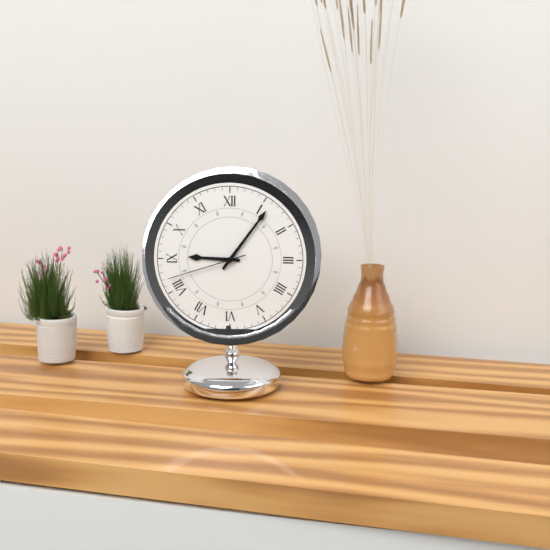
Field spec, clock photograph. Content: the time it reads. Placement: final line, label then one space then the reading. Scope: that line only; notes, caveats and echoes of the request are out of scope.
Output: 9:06:42
